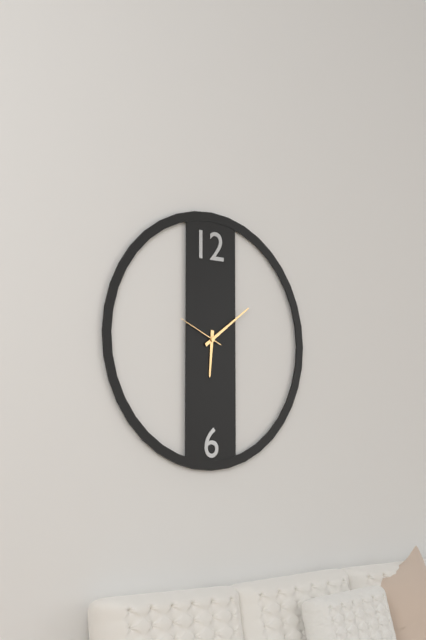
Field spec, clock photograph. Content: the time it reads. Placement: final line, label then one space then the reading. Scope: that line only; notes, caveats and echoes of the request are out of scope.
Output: 6:09
